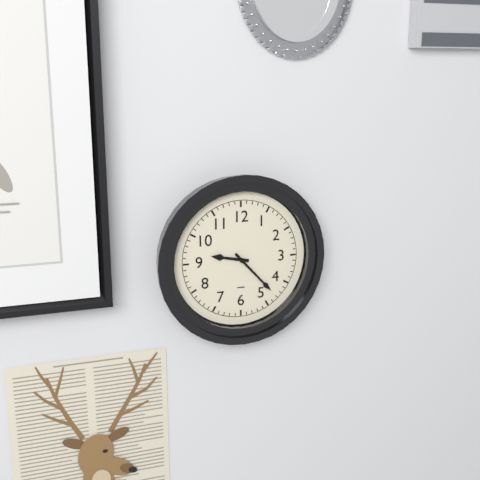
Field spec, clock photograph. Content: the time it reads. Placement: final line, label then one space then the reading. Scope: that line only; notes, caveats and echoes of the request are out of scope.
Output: 9:23
